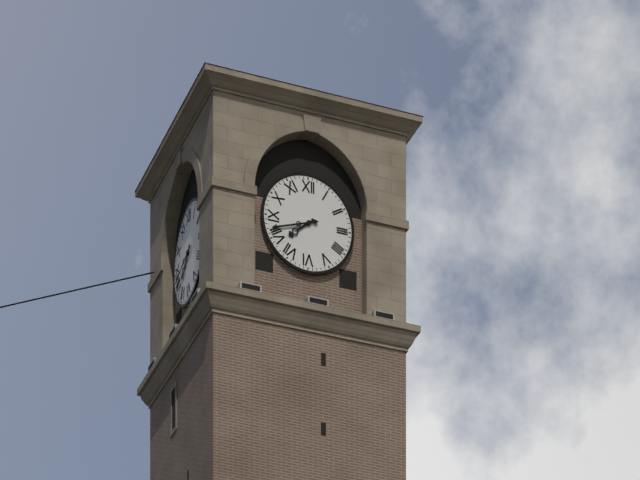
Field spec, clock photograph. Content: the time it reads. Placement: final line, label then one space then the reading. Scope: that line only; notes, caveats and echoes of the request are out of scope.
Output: 7:42
